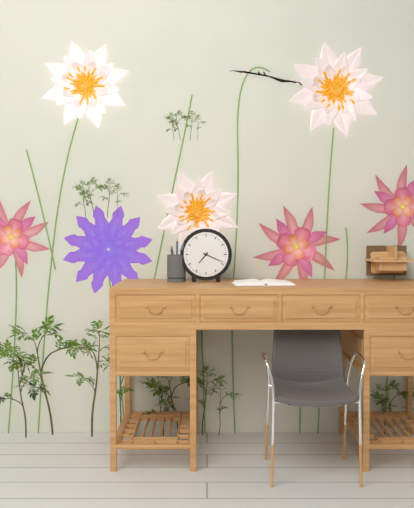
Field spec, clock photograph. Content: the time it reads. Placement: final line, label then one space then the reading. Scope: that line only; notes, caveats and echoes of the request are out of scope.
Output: 7:19
